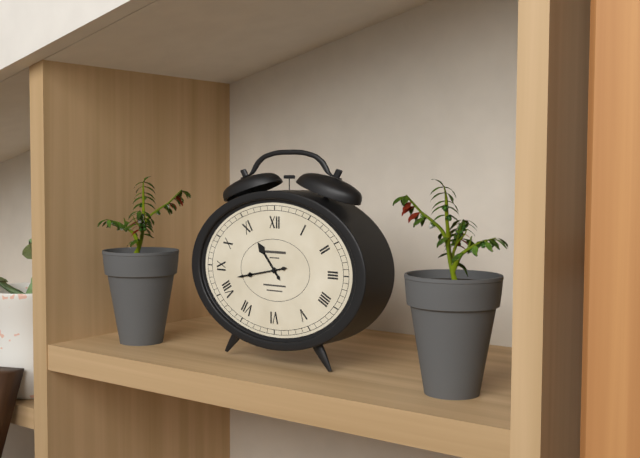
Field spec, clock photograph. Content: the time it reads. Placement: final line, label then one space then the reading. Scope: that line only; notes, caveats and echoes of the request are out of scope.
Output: 10:43
